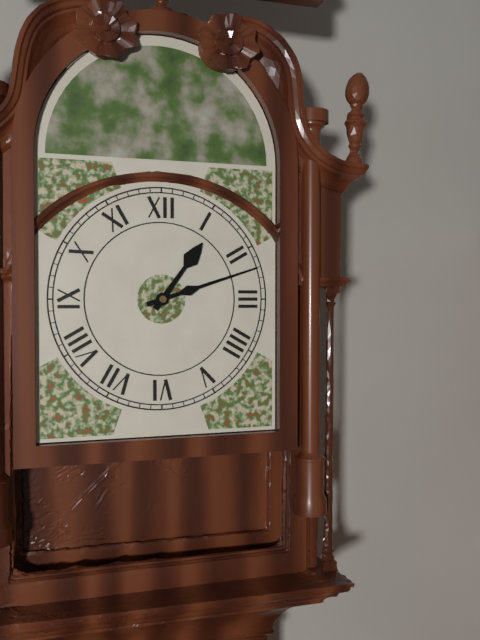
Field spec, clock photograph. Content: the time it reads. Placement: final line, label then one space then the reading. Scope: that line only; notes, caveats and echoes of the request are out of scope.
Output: 1:12
